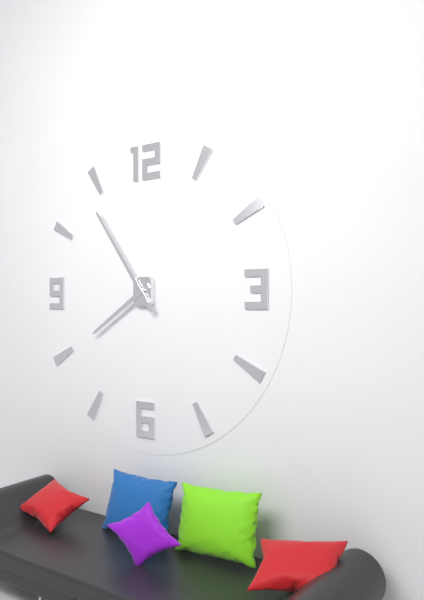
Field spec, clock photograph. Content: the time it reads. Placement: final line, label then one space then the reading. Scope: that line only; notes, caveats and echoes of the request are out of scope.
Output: 7:54
